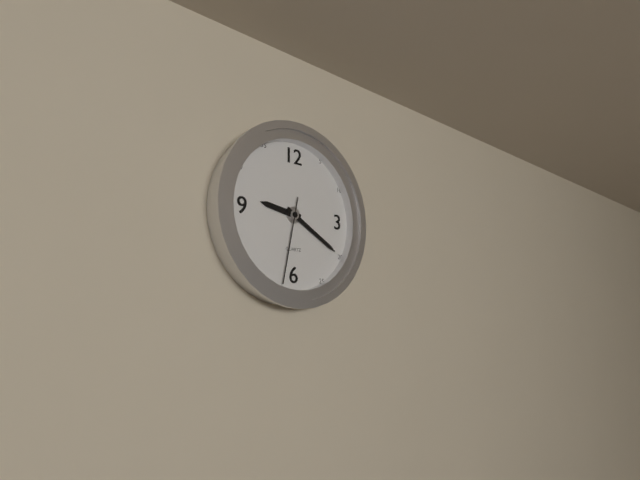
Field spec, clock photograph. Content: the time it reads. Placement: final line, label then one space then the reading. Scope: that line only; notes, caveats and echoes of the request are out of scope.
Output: 9:20:32
